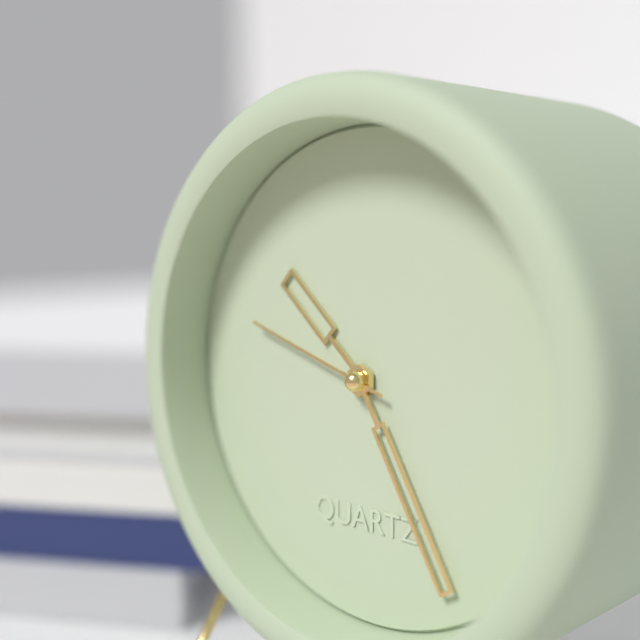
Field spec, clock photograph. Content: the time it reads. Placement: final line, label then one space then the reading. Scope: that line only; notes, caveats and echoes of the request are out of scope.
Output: 10:25:48
